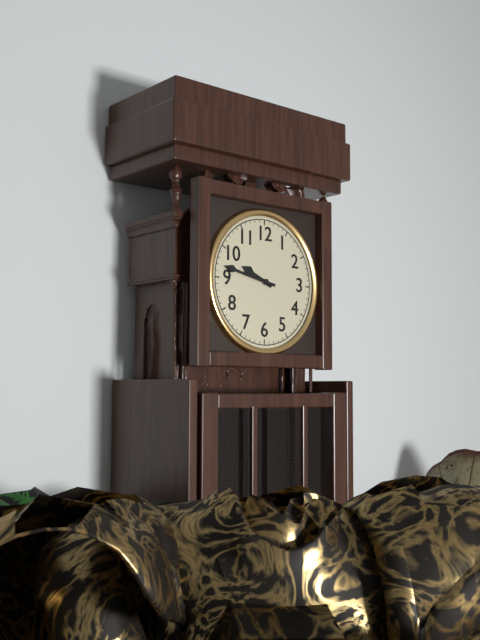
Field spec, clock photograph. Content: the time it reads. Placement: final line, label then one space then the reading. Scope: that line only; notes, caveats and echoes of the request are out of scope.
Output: 9:47
